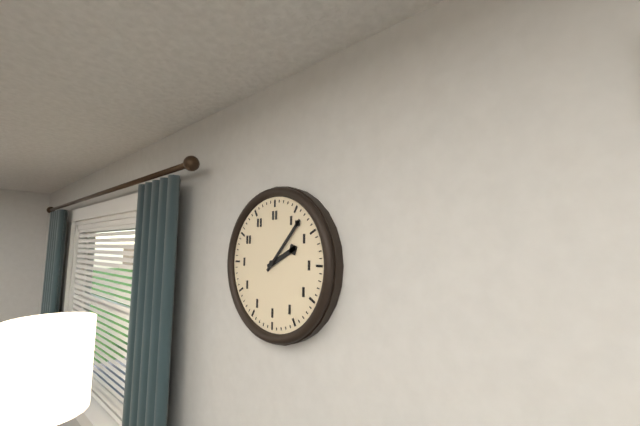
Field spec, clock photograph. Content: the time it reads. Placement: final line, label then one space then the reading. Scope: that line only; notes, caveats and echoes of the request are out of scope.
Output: 2:07
